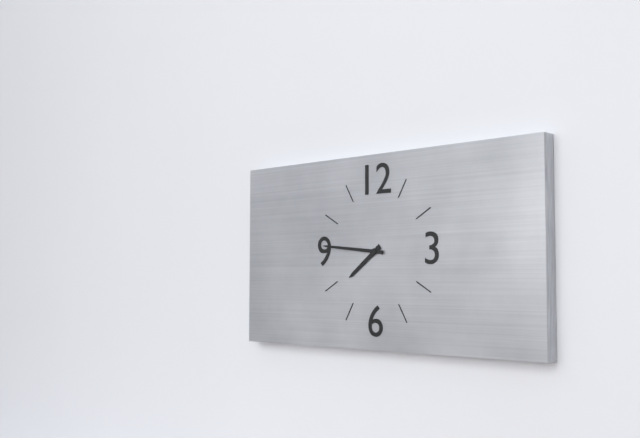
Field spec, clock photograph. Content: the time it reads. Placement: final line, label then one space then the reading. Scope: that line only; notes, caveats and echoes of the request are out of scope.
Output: 7:46
